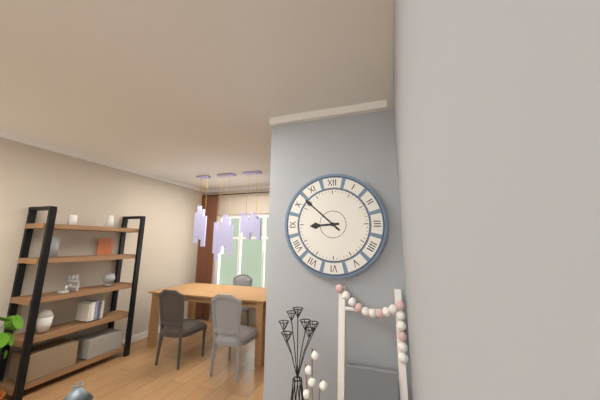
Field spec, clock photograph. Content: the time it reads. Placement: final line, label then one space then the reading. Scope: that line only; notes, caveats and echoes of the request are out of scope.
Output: 8:52
